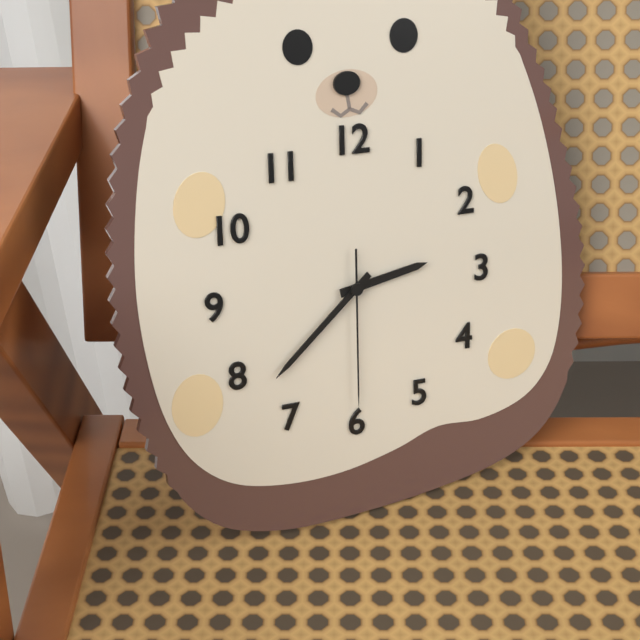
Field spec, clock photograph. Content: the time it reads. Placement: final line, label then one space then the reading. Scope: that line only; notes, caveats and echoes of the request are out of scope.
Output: 2:38:30
